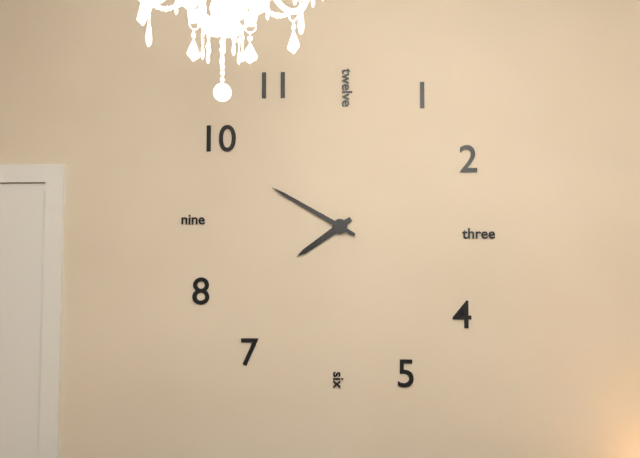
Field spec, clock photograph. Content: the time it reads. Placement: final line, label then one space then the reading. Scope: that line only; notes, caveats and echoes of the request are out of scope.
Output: 7:50
